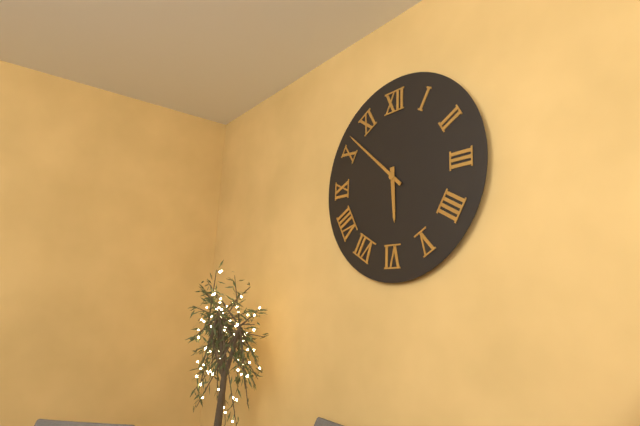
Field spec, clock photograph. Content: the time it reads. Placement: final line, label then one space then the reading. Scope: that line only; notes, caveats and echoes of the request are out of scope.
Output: 5:52
